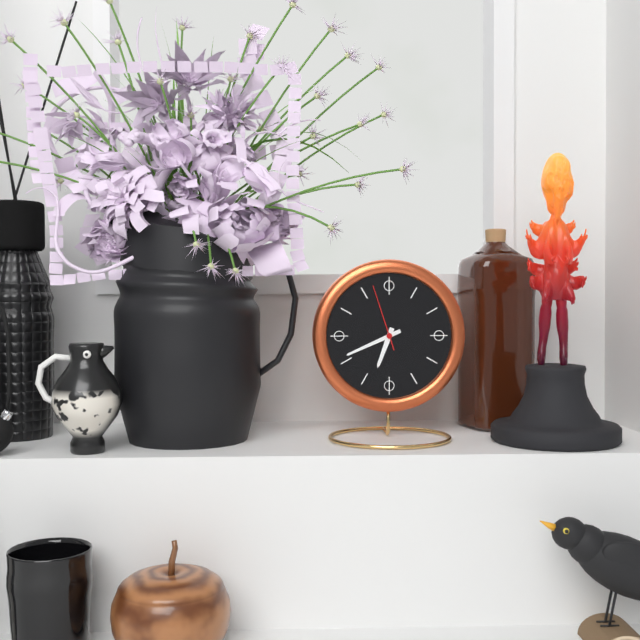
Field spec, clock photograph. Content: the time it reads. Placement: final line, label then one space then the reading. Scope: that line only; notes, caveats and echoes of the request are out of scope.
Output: 6:41:57
